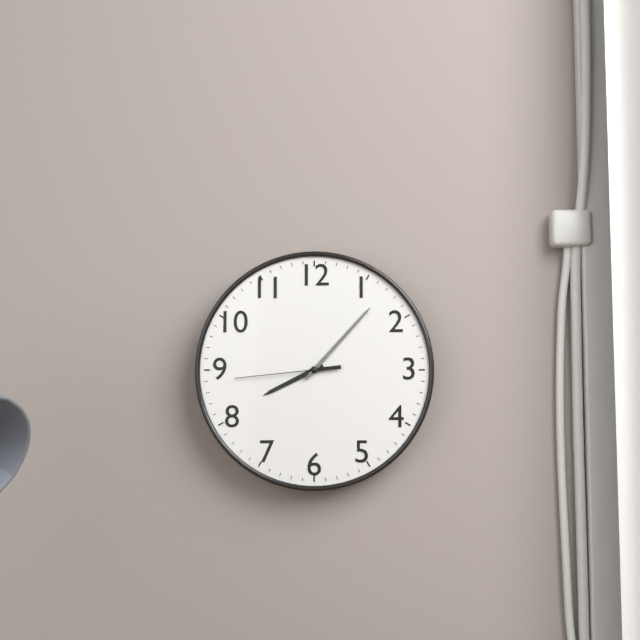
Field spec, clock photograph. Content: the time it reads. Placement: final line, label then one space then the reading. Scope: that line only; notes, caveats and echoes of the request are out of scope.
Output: 8:07:44
